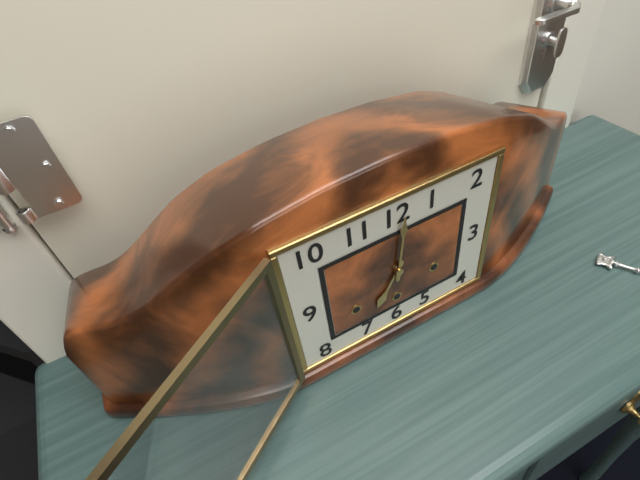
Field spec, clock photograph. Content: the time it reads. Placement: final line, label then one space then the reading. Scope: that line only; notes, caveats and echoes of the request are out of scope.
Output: 7:01
